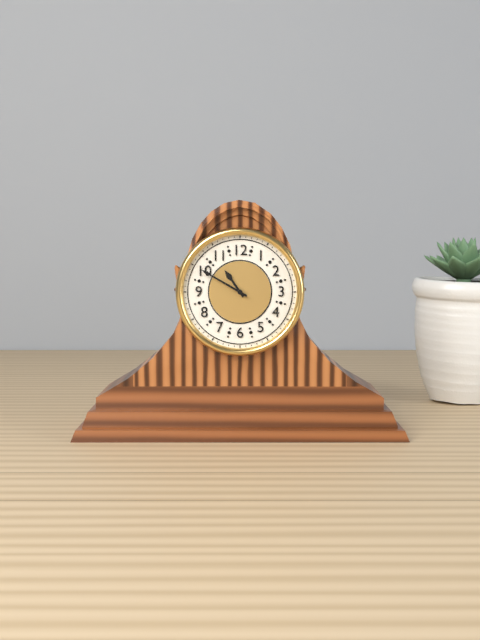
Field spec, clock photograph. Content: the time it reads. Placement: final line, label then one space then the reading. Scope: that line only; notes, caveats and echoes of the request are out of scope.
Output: 10:50
